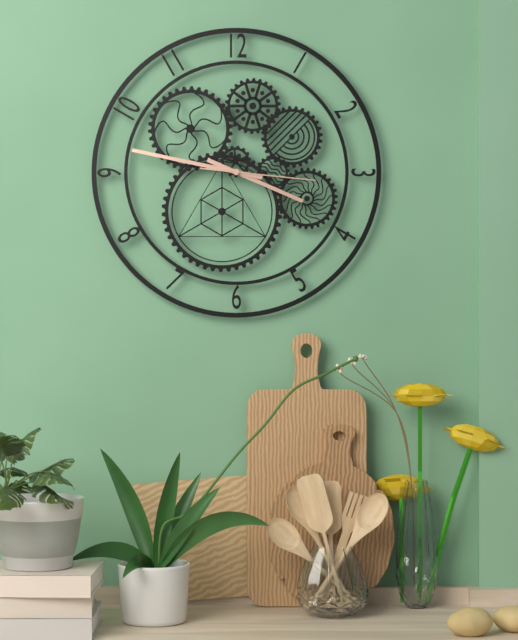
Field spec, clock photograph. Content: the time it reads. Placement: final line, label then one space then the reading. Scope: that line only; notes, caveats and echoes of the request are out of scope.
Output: 3:47:16
